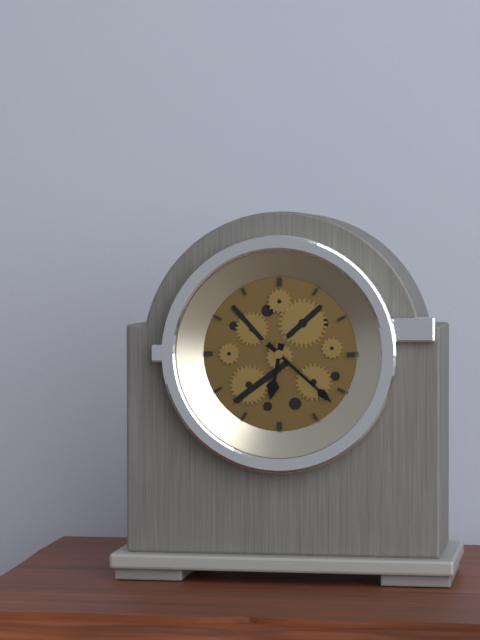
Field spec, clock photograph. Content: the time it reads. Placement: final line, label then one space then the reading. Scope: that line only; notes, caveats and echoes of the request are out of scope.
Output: 6:22
